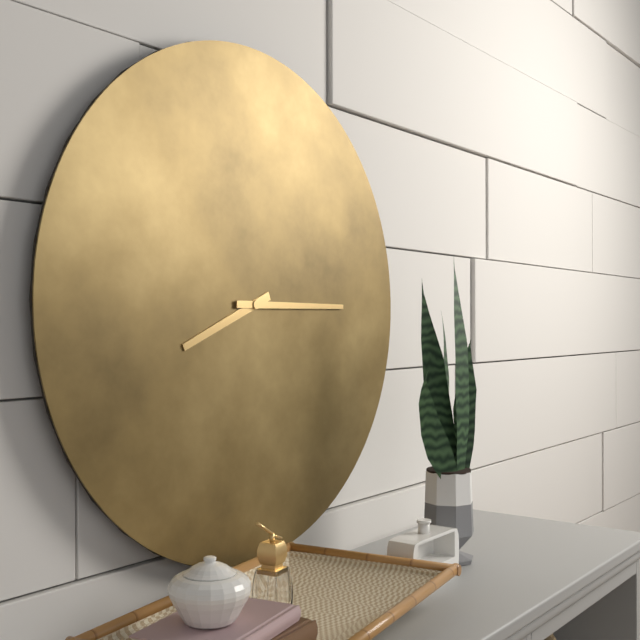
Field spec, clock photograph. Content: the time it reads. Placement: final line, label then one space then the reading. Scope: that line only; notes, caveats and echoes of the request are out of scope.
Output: 8:15
